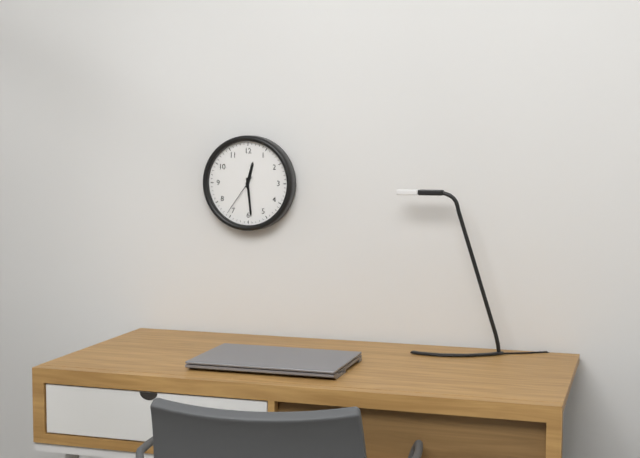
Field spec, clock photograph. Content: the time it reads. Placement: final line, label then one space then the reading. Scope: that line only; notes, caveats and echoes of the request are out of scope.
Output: 12:29
